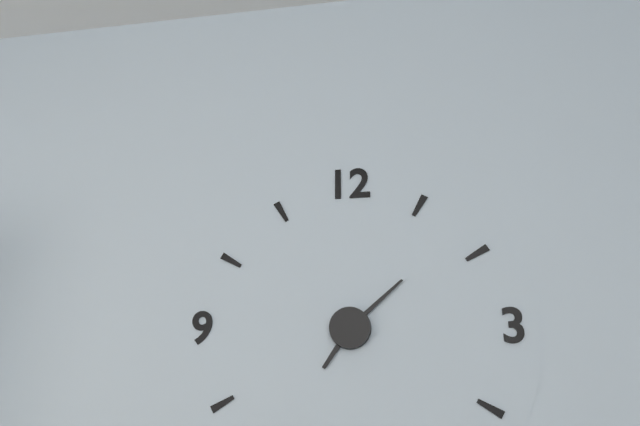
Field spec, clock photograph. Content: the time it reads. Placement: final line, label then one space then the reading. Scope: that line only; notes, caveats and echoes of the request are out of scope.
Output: 7:08
